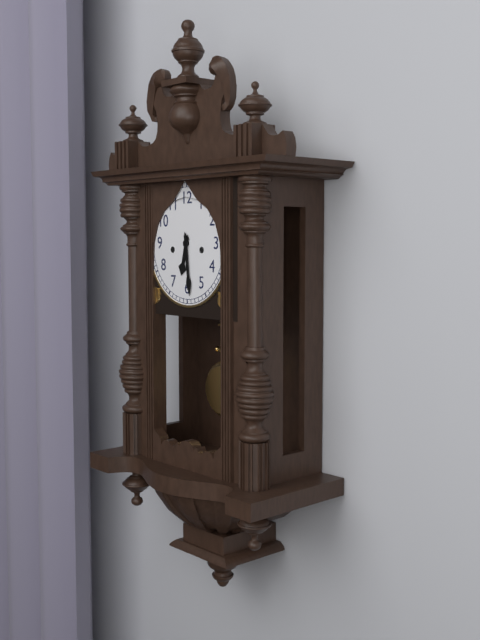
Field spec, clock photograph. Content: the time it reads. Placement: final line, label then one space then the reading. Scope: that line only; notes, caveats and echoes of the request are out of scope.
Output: 6:29
